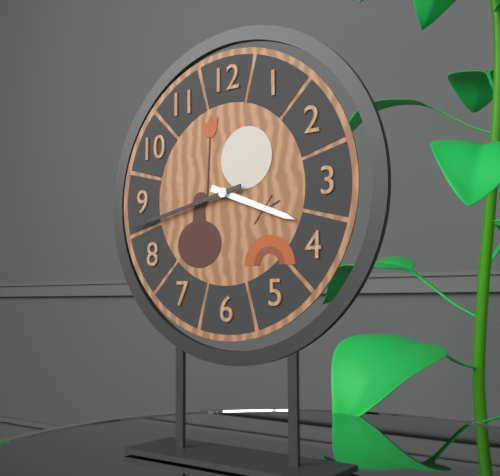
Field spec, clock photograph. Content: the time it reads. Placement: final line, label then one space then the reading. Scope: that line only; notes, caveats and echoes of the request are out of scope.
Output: 3:43
